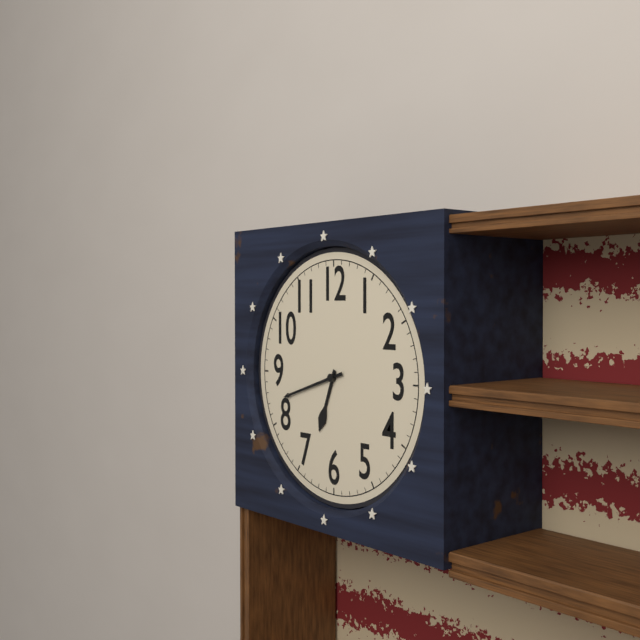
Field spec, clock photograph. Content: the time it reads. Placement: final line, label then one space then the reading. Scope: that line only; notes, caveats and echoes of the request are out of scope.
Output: 6:42
